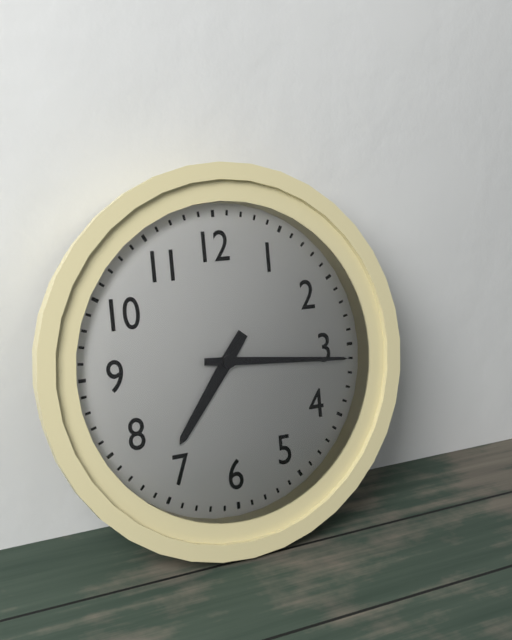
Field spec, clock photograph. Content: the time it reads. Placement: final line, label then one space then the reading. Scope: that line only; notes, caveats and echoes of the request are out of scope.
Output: 7:16
